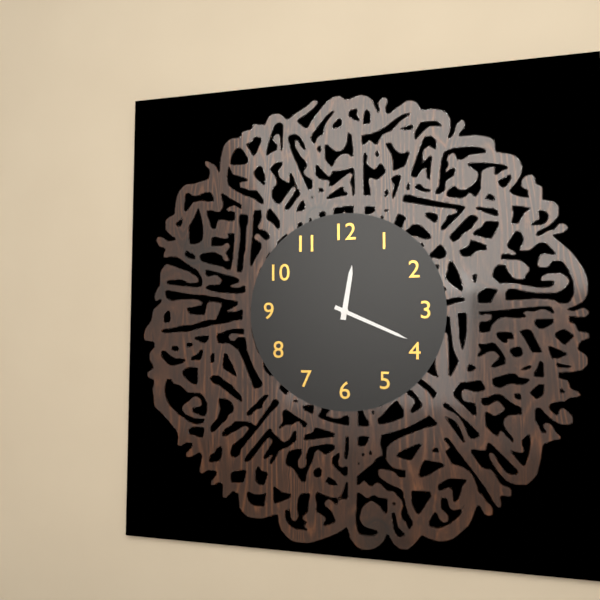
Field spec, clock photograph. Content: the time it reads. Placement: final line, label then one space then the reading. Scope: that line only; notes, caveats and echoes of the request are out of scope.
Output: 12:19
